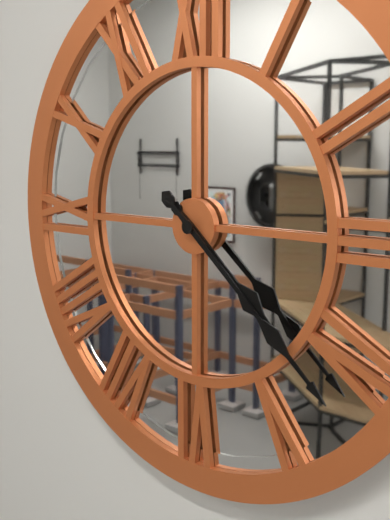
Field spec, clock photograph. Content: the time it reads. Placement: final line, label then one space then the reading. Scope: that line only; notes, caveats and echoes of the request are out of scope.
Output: 4:22
